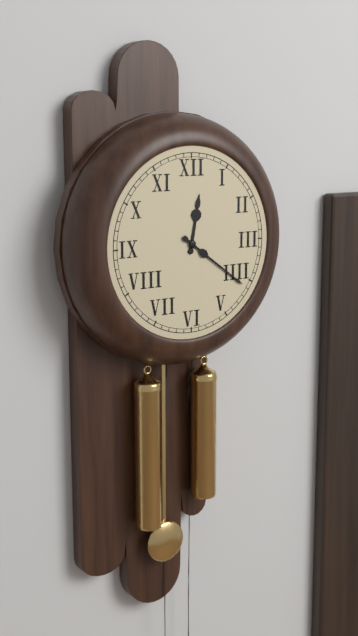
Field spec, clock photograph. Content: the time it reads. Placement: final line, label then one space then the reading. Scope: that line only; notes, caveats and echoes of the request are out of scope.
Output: 12:21
